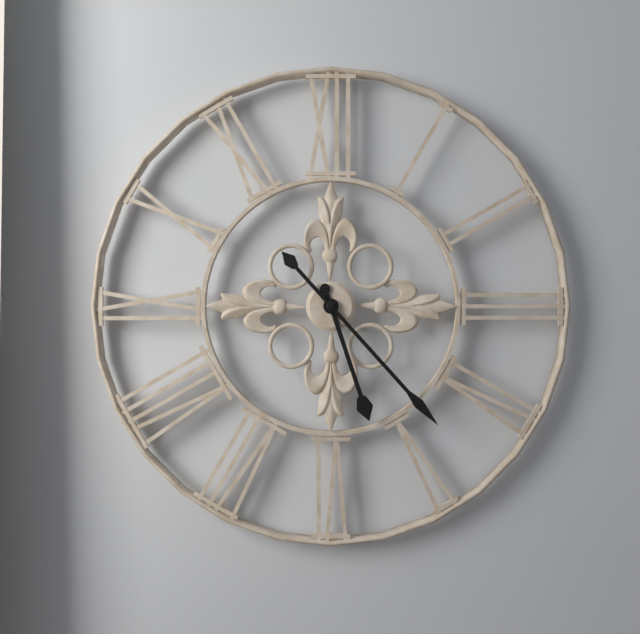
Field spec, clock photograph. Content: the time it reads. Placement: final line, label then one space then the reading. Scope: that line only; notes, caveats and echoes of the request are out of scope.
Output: 5:23
